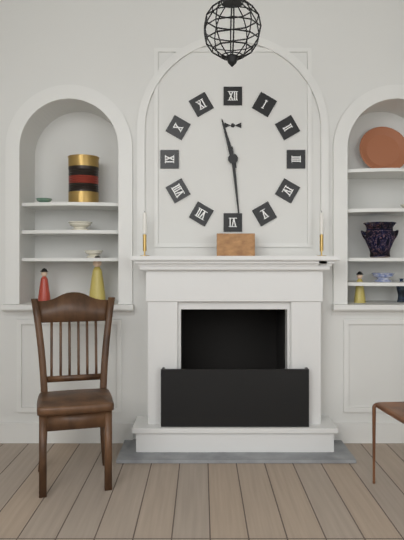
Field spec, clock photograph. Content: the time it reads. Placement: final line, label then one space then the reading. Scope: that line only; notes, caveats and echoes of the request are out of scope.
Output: 11:29
